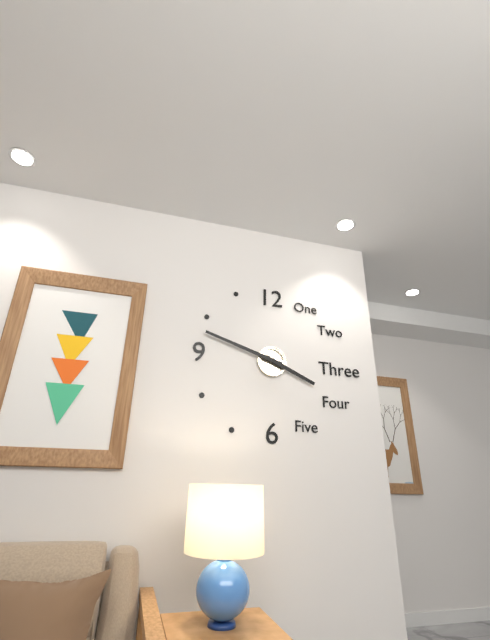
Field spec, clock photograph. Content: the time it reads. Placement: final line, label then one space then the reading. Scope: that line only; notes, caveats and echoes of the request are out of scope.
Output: 3:48
